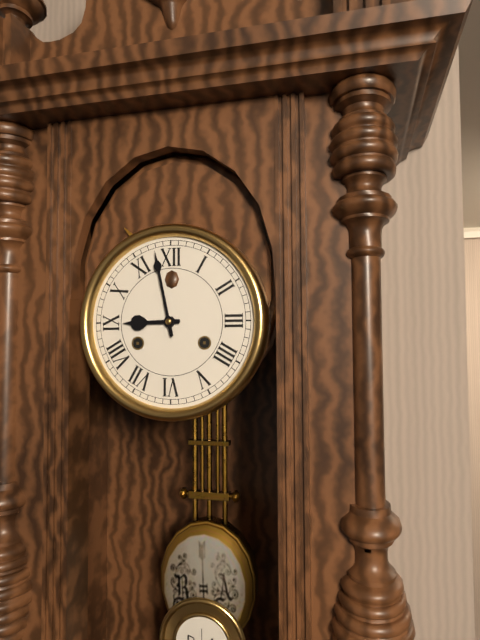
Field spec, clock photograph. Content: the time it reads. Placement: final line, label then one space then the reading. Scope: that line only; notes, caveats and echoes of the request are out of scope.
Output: 8:58
